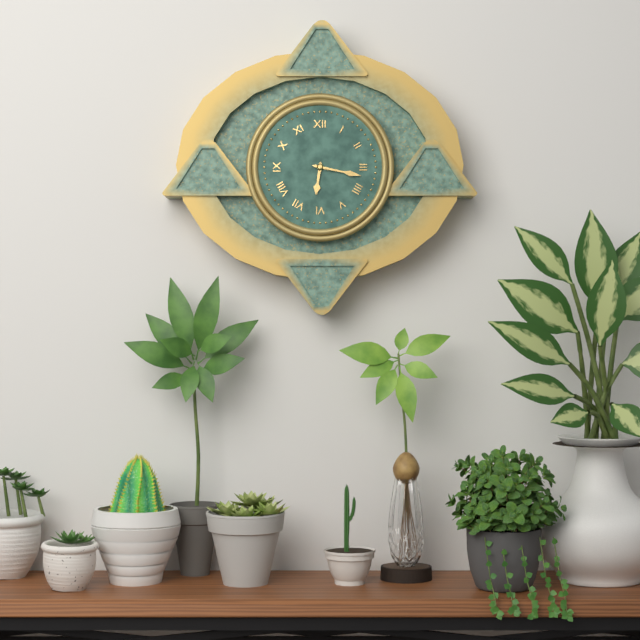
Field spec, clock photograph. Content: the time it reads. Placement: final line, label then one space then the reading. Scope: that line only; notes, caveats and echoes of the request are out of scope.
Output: 6:17
